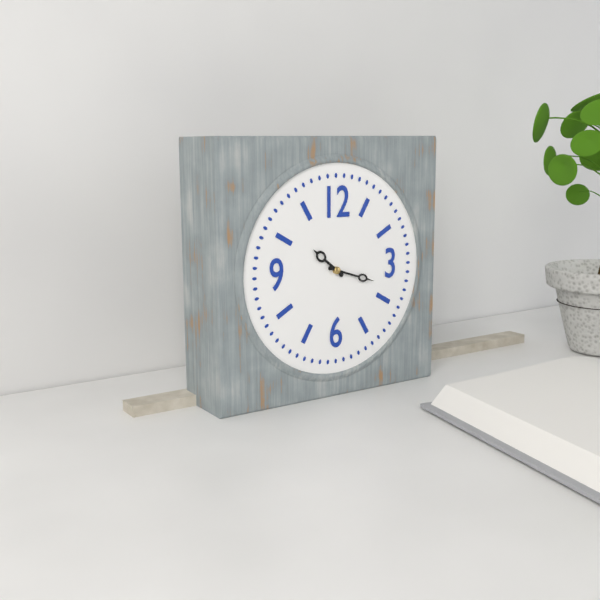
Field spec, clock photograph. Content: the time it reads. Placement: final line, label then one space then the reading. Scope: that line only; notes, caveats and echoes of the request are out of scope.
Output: 10:18
